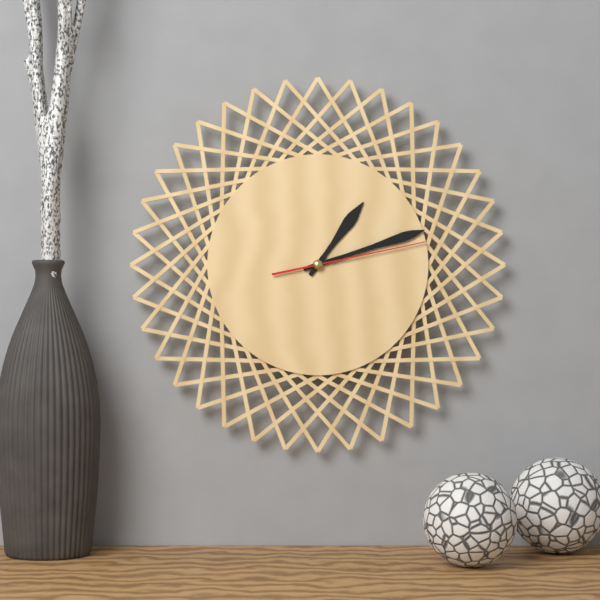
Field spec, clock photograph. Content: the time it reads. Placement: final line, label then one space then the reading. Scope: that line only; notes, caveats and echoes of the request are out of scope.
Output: 1:12:13
